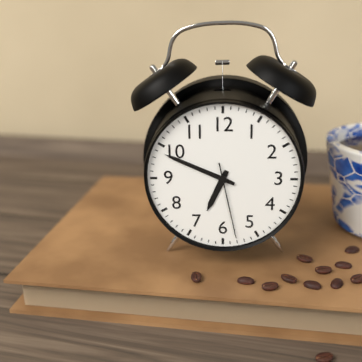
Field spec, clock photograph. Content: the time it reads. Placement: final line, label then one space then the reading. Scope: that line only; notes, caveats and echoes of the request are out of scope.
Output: 6:49:28
